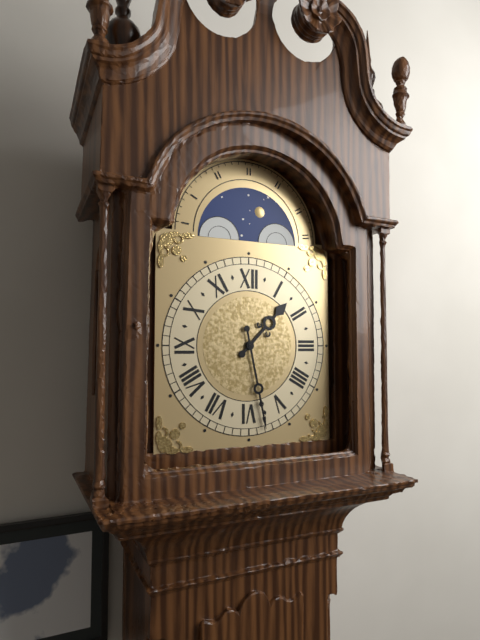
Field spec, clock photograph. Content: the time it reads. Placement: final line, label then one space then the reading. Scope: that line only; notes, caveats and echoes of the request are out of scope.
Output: 1:28
